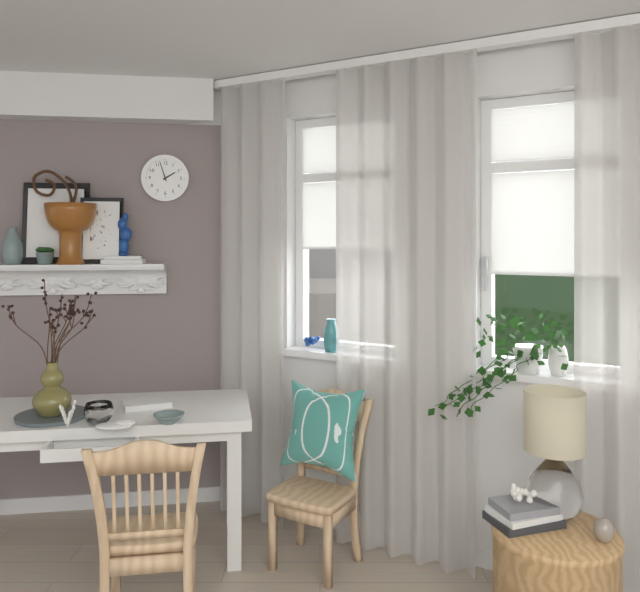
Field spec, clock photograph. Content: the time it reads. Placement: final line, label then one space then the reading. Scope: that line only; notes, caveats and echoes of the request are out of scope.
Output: 1:57
